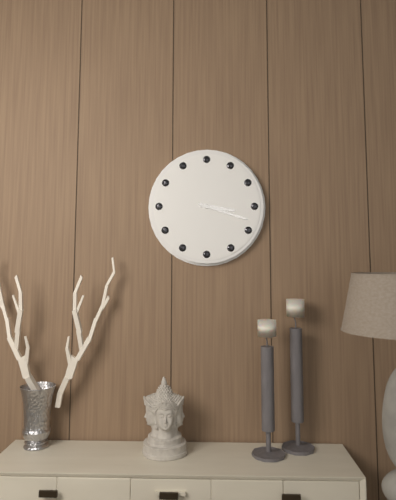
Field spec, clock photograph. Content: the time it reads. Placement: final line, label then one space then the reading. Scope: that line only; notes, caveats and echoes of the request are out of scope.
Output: 3:18
